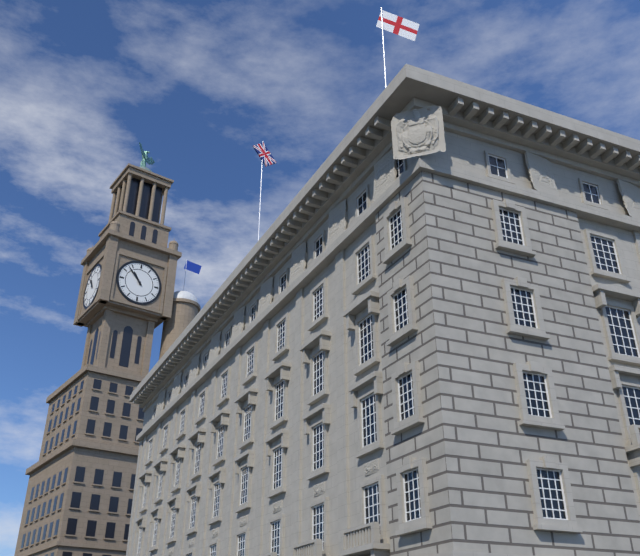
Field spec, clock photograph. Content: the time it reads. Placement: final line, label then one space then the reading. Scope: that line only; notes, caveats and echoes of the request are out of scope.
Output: 10:53
